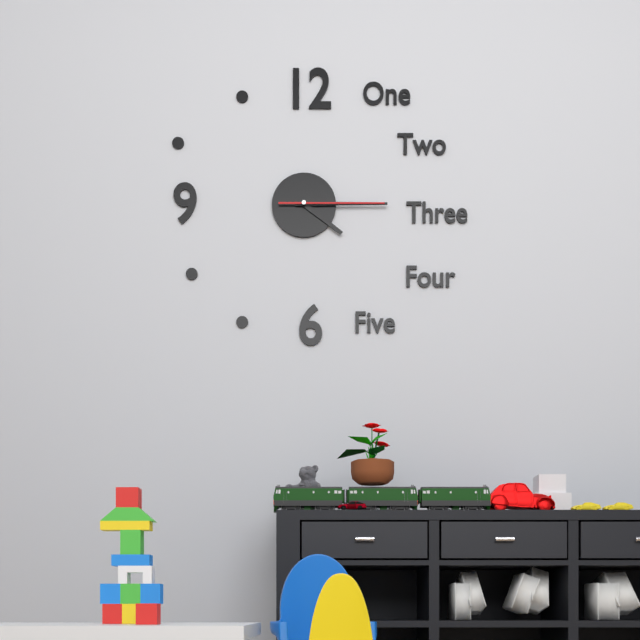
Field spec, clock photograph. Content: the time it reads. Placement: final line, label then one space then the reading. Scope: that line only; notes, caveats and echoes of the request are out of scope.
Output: 4:15:15
